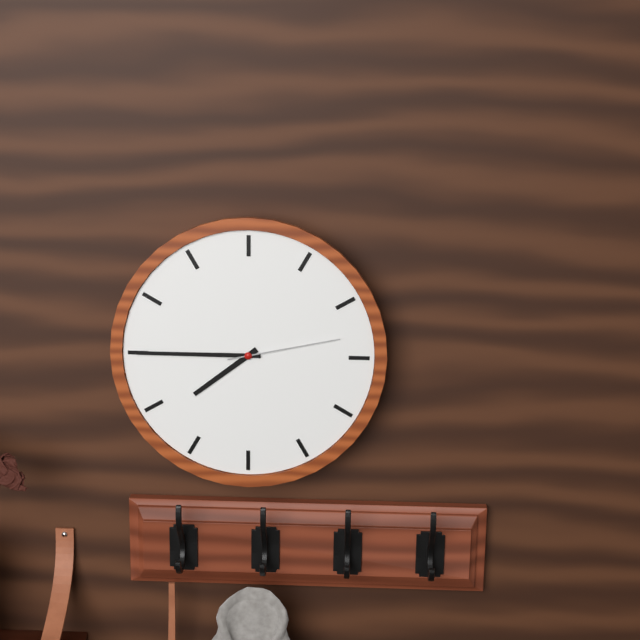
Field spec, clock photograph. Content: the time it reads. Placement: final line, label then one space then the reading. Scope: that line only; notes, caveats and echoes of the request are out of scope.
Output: 7:45:13
